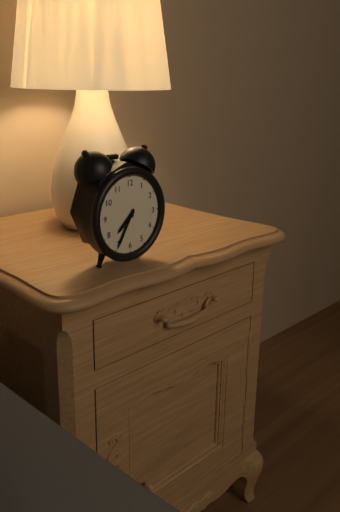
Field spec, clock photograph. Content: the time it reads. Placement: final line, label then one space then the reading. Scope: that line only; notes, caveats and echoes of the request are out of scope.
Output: 7:35
